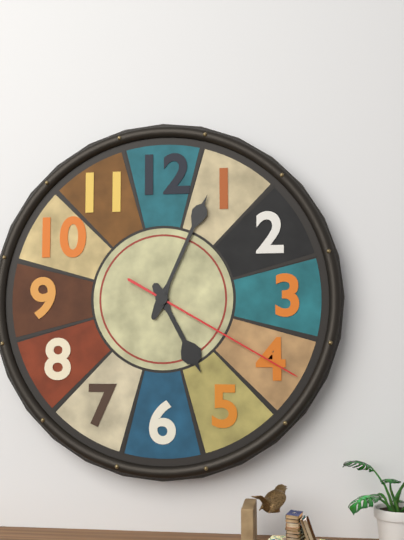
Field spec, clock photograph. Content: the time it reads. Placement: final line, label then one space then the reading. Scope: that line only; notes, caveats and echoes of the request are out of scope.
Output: 5:04:20
